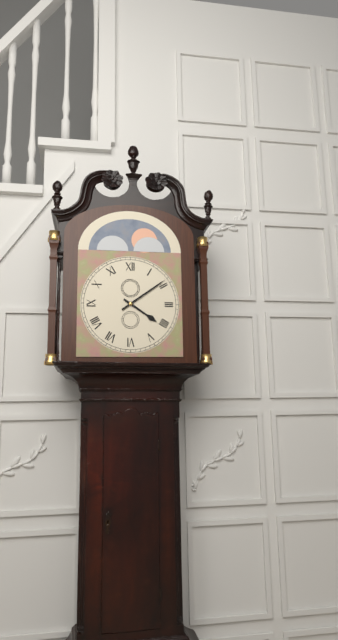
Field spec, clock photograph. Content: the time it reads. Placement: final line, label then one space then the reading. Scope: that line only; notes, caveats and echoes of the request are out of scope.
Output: 4:09
